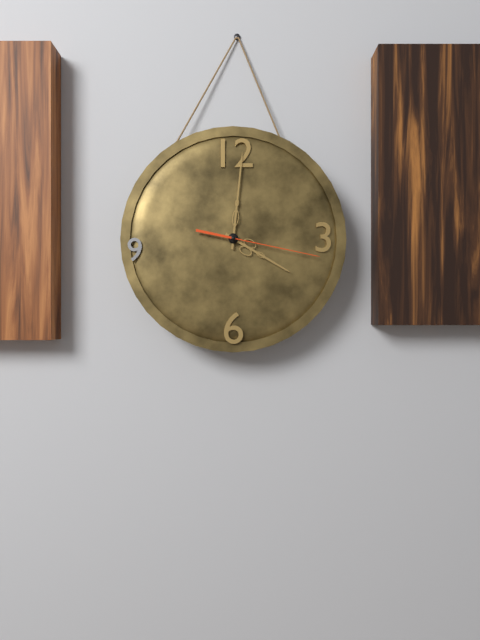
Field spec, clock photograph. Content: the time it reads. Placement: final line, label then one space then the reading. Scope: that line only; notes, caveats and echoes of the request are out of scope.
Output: 4:01:17
